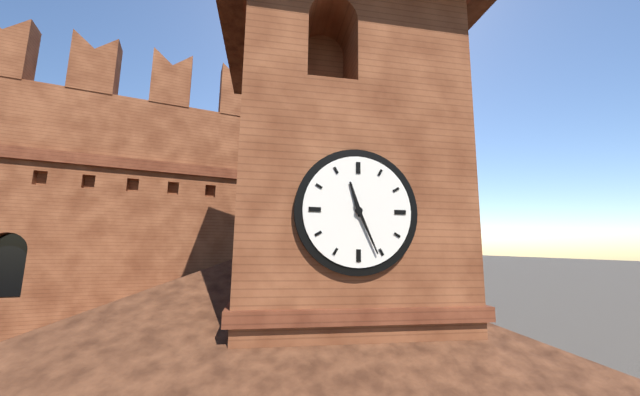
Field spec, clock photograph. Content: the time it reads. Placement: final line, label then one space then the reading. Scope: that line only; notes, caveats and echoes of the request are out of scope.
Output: 11:26
